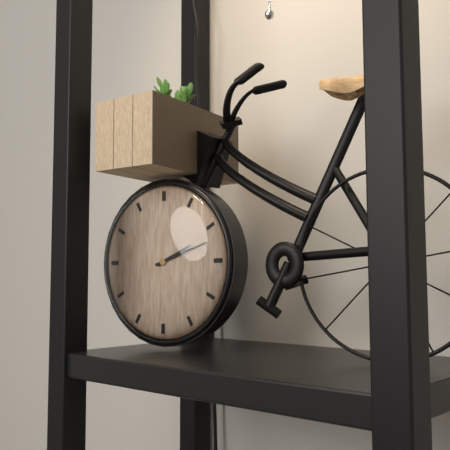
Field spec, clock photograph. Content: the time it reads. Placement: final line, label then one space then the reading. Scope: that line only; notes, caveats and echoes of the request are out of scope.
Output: 2:12
